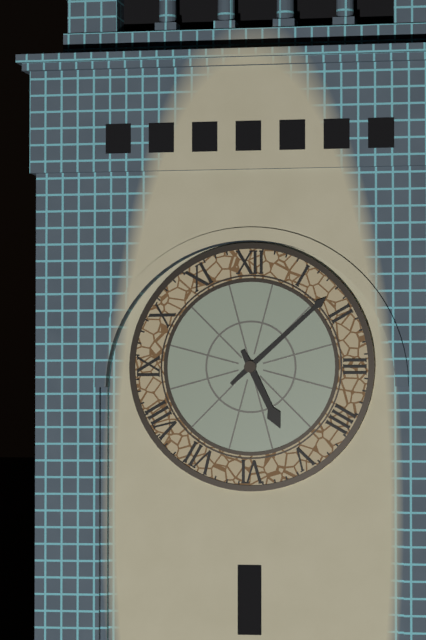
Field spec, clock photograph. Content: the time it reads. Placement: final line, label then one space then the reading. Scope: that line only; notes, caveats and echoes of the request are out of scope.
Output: 5:08
